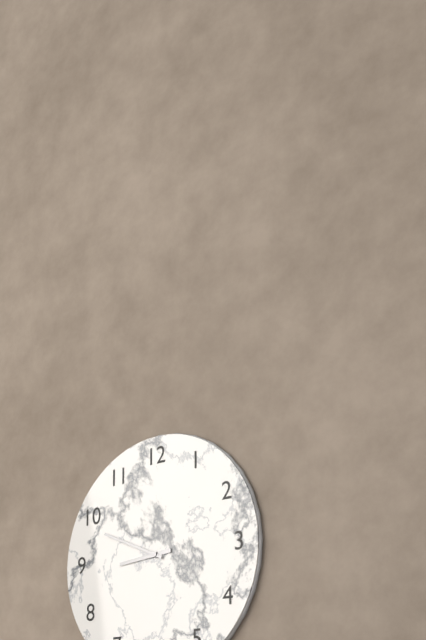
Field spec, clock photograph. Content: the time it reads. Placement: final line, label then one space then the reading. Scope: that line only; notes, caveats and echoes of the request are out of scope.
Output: 8:49
